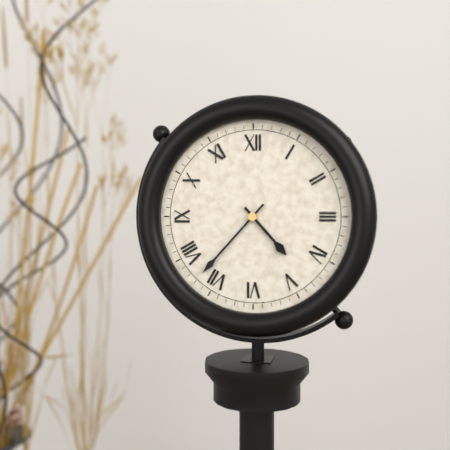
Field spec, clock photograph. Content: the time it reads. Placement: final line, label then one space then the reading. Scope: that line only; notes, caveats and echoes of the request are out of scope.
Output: 4:37
